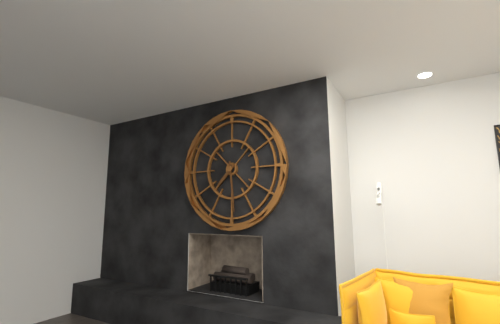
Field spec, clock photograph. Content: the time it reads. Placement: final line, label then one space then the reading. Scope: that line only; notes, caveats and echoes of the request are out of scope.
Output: 7:29
